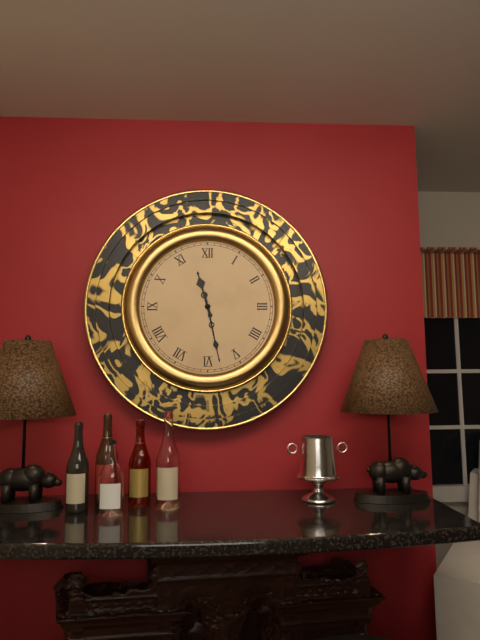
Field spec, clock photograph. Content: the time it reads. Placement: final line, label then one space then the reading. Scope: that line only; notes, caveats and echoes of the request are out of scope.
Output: 11:28
